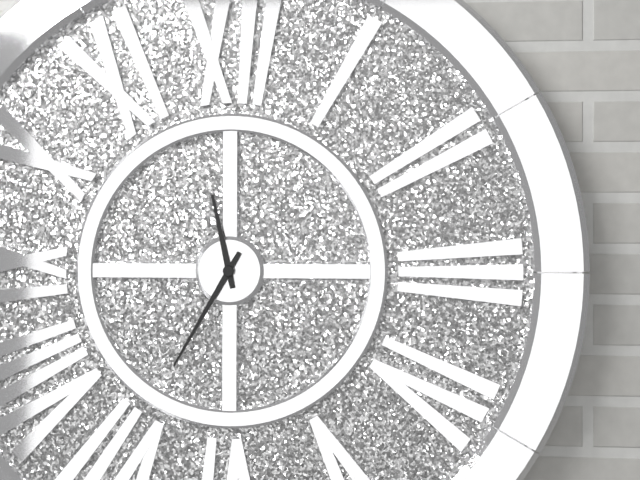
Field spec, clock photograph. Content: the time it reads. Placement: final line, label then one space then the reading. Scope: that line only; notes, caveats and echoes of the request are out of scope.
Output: 11:35
